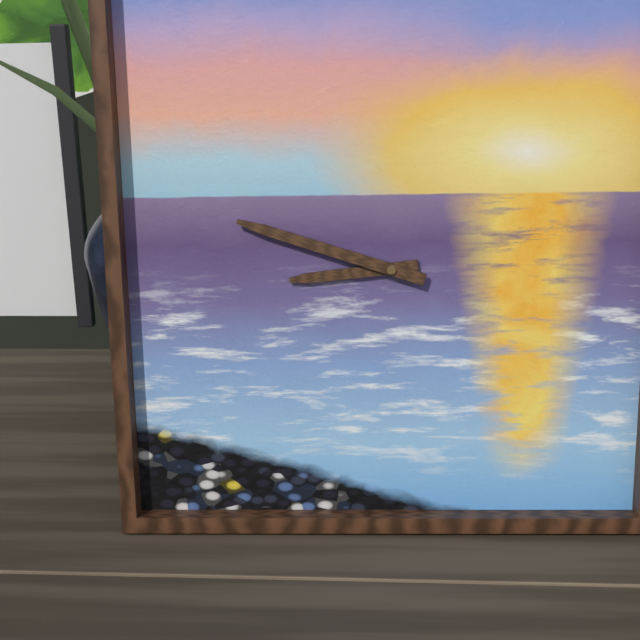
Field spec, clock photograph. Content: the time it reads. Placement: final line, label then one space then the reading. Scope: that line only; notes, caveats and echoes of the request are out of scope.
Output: 8:48
